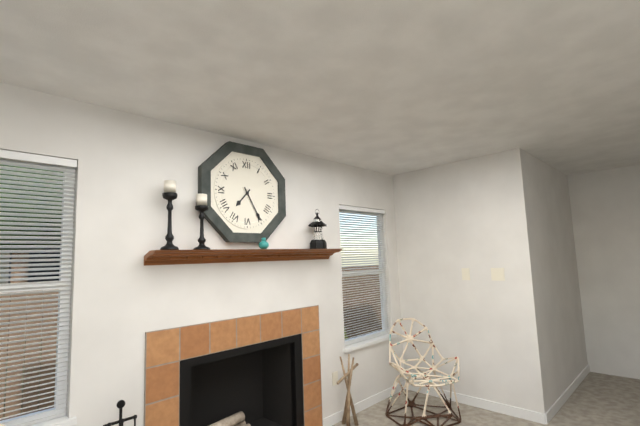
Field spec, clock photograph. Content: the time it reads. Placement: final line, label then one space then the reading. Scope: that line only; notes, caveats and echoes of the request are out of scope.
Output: 7:25
